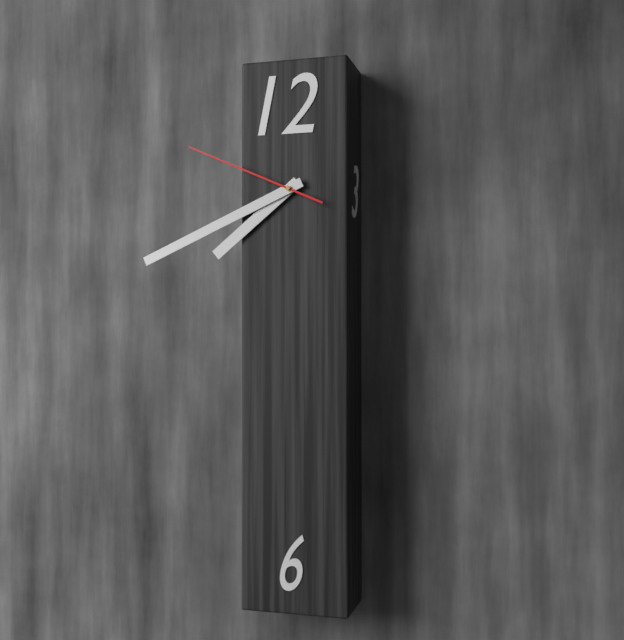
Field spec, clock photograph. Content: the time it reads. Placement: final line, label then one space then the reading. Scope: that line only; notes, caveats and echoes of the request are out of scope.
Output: 7:41:49
